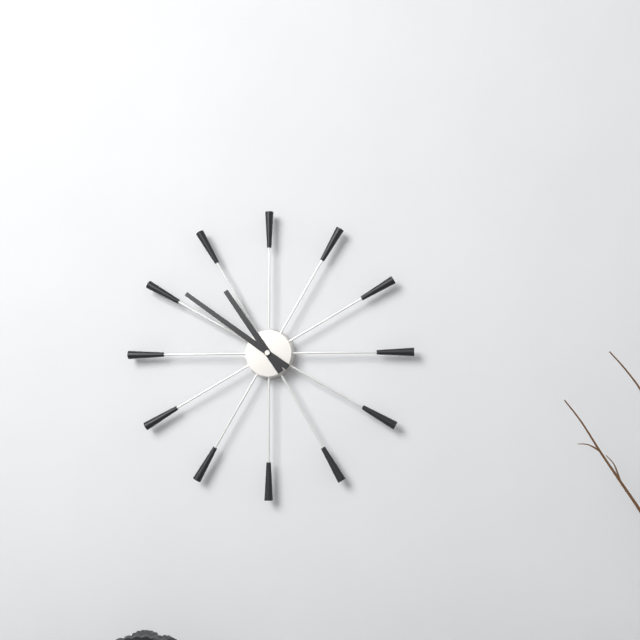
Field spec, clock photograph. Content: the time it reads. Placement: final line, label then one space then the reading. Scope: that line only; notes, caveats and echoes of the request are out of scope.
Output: 10:51
